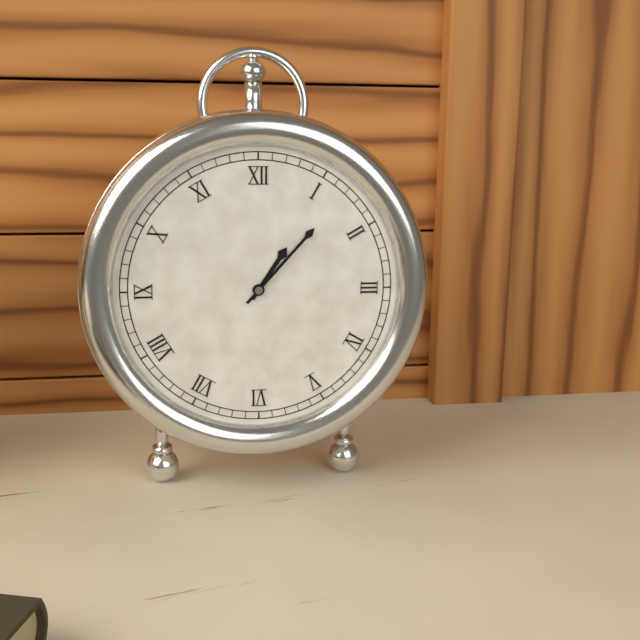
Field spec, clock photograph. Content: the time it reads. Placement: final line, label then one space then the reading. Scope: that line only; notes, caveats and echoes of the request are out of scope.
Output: 1:07
